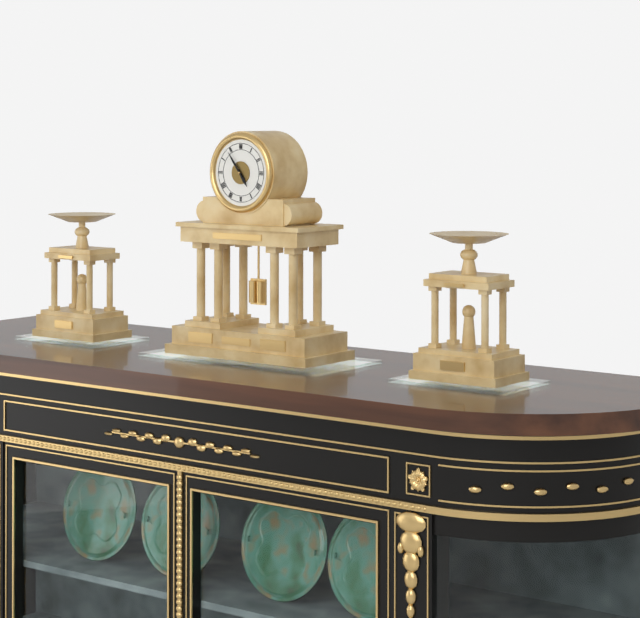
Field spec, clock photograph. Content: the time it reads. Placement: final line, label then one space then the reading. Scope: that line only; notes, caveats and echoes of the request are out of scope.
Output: 4:54
